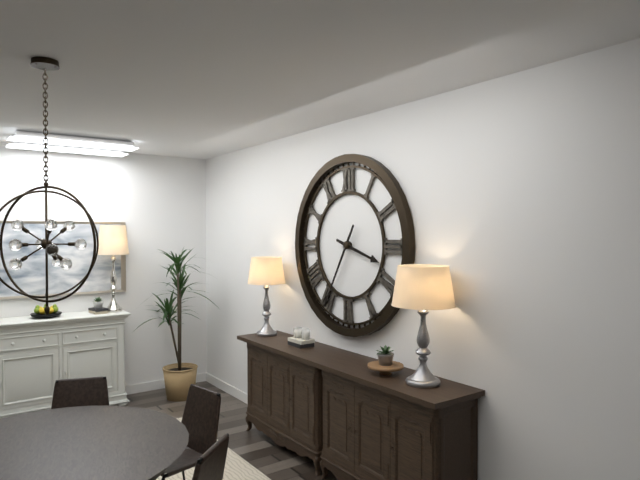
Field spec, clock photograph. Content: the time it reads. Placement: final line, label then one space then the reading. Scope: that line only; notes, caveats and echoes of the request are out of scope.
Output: 3:35
